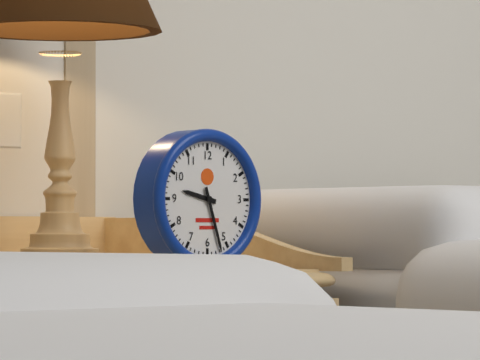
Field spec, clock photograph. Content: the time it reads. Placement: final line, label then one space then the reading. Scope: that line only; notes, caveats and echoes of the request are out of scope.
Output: 9:27
